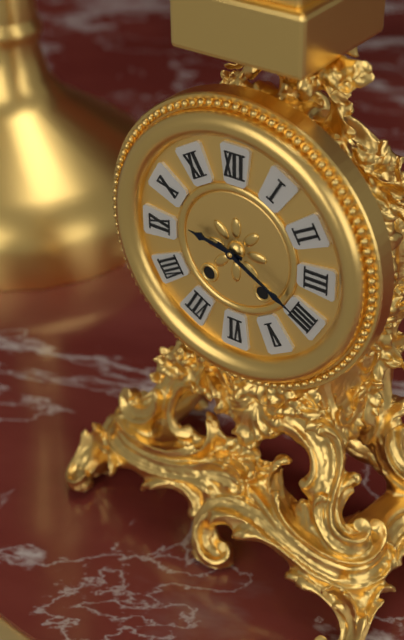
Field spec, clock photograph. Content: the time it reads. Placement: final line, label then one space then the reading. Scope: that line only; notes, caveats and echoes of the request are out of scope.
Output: 9:20
